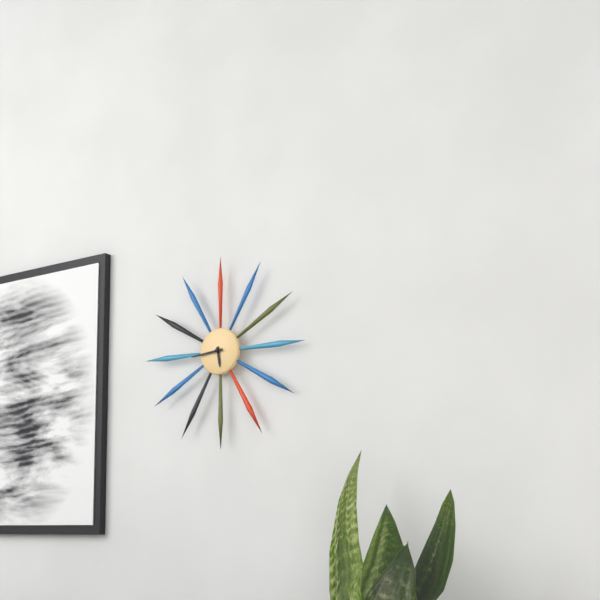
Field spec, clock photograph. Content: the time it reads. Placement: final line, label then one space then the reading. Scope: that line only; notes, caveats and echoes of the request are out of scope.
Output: 5:44
